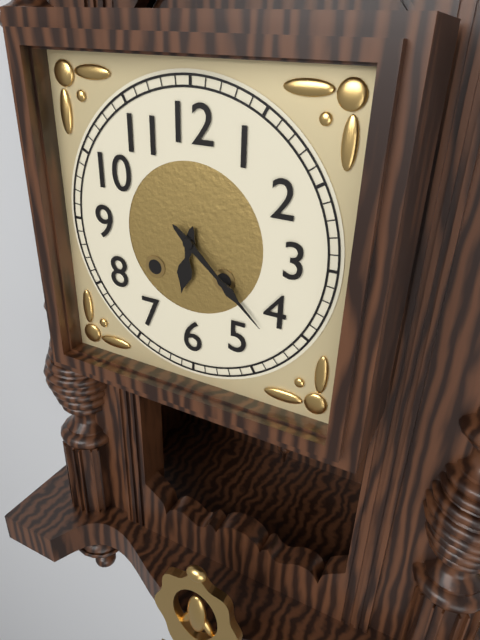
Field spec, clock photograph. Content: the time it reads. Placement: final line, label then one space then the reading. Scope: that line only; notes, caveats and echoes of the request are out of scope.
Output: 6:22
